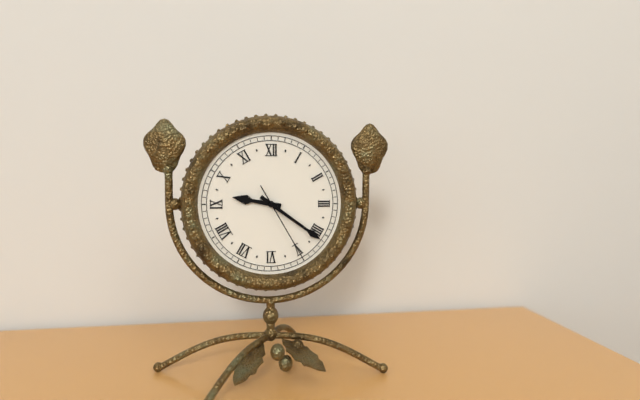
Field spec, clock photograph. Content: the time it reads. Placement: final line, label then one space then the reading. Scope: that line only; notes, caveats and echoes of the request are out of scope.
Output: 9:21:25
